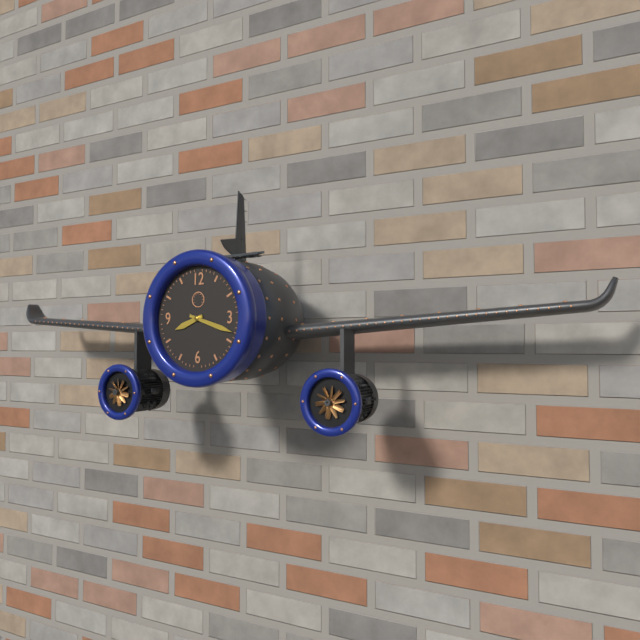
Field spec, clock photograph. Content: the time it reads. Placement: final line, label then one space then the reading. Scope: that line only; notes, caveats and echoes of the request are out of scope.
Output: 8:18
